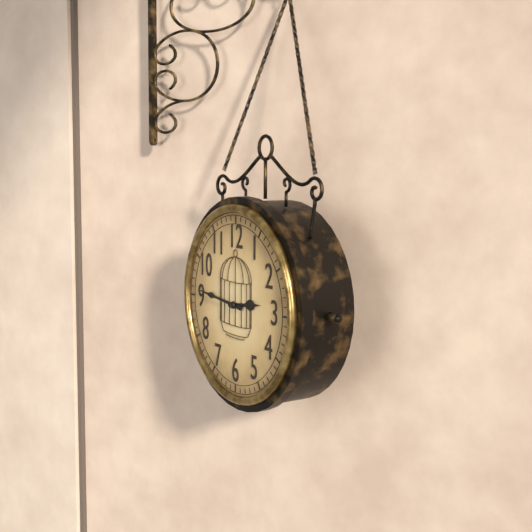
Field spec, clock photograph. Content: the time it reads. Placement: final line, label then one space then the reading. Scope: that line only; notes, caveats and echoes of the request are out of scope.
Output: 2:46
